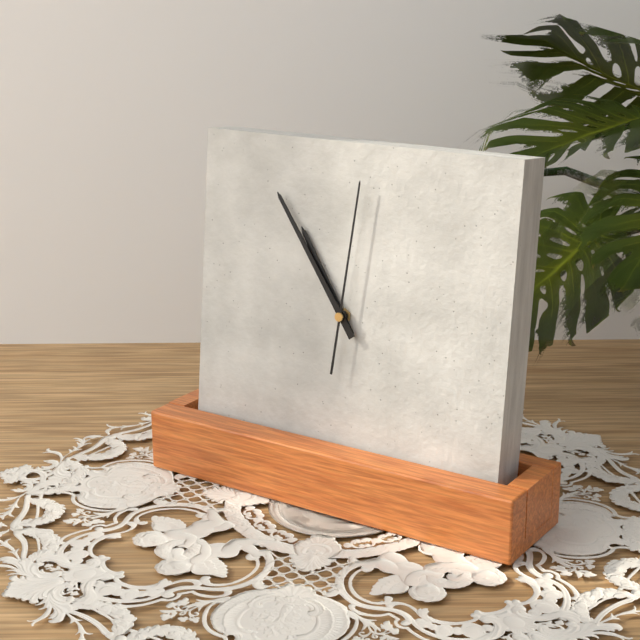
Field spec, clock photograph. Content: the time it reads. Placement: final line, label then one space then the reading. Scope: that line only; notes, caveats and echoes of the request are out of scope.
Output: 10:54:01
